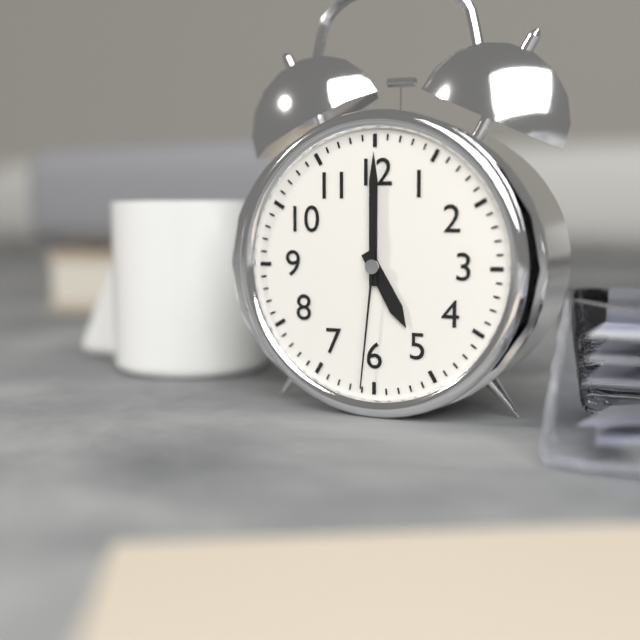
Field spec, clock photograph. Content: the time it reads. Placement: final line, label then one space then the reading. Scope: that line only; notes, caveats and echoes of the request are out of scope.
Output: 5:00:31
